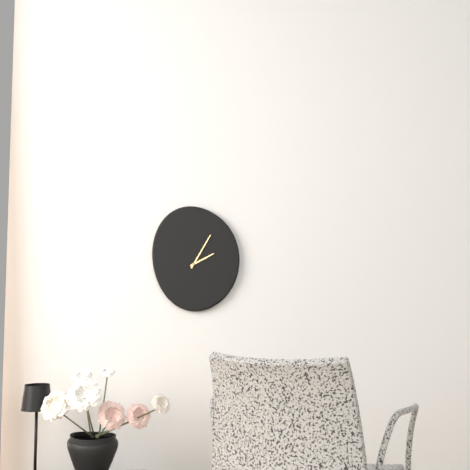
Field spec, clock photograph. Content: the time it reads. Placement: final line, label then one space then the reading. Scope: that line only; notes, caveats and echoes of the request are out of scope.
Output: 2:05
